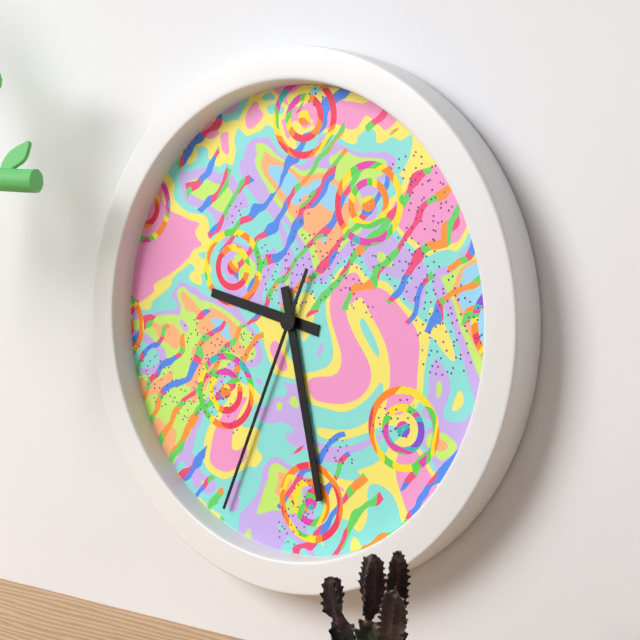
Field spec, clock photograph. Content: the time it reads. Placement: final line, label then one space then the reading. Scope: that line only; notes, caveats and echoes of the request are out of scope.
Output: 9:28:34
